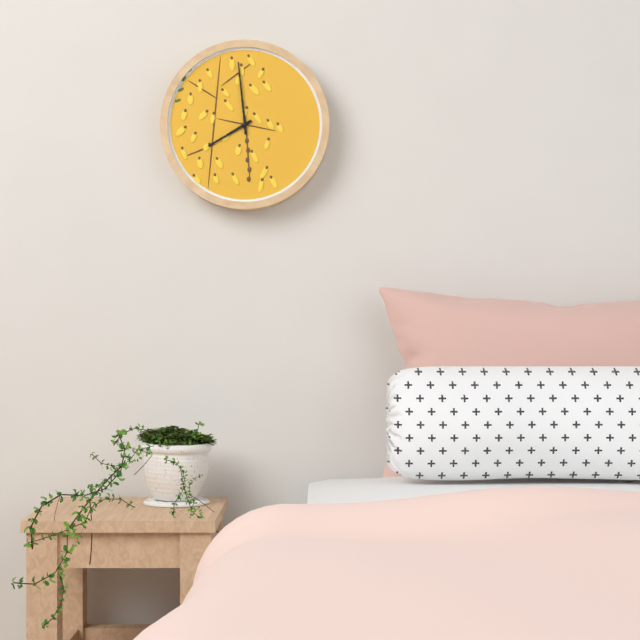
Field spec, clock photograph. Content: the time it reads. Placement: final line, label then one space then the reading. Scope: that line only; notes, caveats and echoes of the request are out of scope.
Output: 7:59
